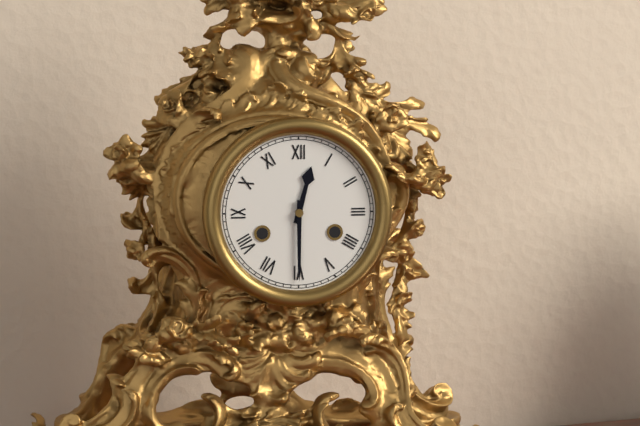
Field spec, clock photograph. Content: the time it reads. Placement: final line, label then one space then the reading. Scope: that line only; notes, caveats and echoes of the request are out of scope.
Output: 12:30
